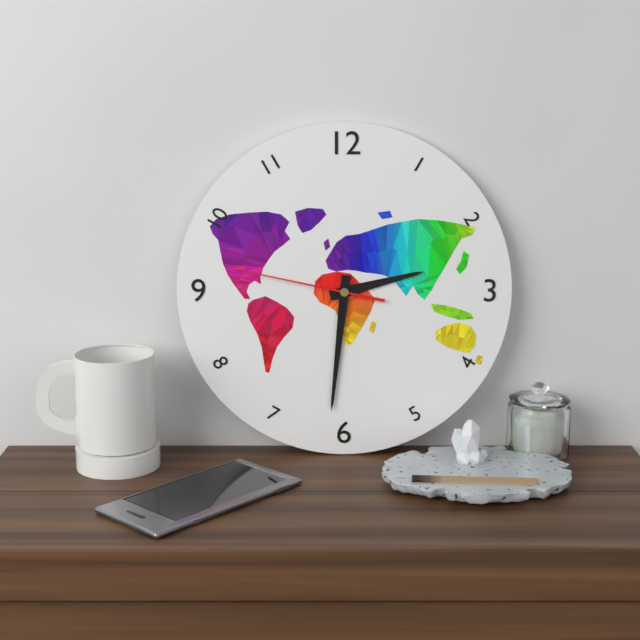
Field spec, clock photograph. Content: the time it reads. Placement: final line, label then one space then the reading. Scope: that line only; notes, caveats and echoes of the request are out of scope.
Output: 2:31:47
